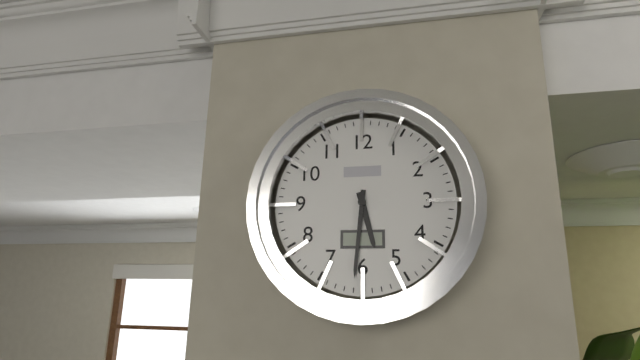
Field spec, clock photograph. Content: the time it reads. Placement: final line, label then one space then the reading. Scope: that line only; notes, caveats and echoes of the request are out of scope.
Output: 5:31
